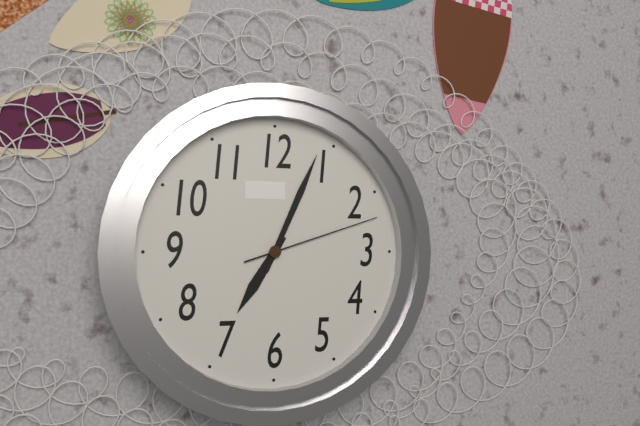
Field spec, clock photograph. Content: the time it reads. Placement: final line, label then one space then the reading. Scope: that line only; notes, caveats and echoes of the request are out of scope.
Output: 7:04:12
